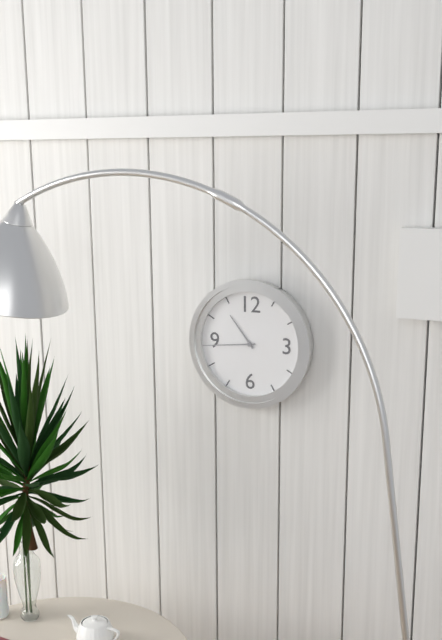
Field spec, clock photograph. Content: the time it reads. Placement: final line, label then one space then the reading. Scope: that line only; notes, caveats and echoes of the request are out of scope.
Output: 10:44
